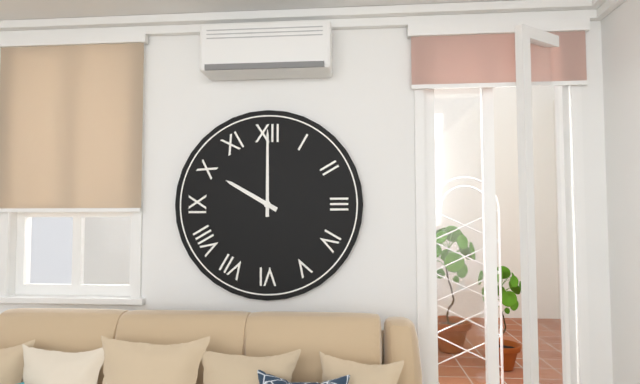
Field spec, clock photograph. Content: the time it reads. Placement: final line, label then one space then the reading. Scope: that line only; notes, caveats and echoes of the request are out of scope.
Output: 10:00
